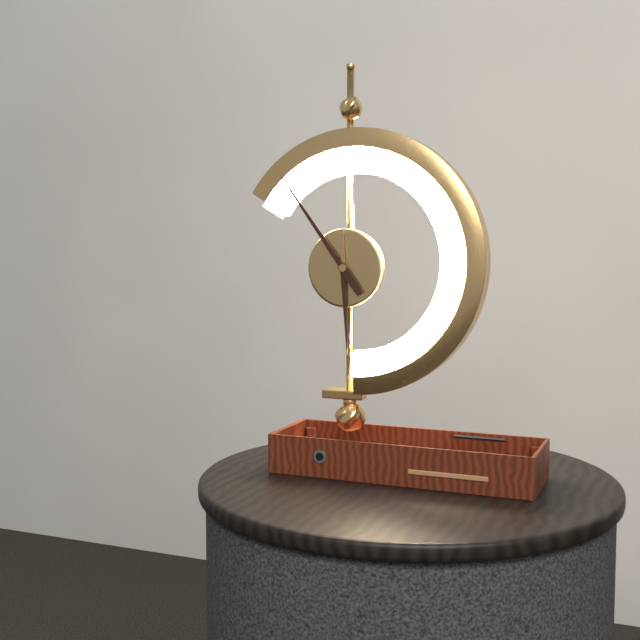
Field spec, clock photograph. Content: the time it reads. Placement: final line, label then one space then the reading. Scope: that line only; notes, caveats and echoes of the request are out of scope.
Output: 5:54
